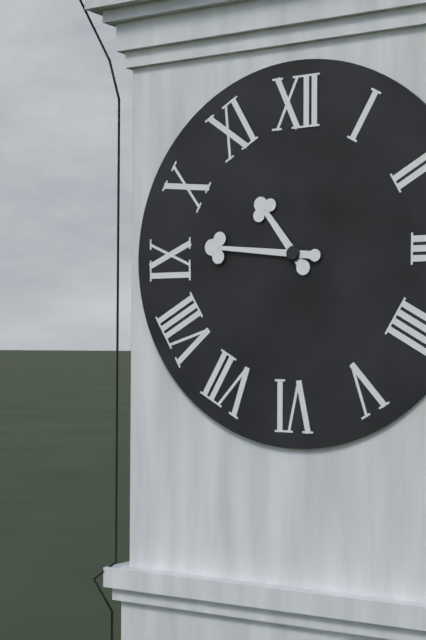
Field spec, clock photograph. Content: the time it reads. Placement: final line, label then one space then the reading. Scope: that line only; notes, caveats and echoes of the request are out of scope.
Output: 10:46
